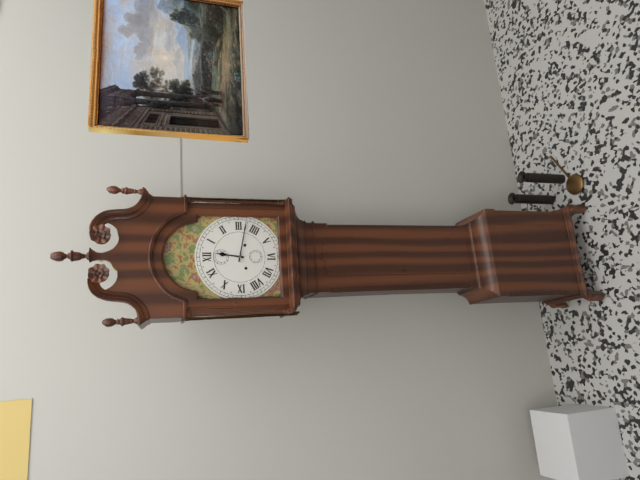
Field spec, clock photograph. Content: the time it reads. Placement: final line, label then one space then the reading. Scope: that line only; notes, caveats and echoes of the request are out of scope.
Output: 12:17
